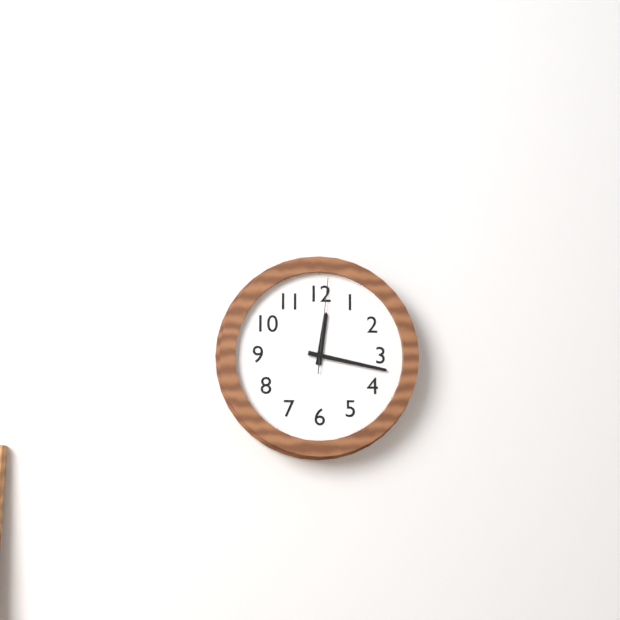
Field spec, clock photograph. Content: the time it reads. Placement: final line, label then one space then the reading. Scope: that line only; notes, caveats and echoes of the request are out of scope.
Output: 12:17:01
